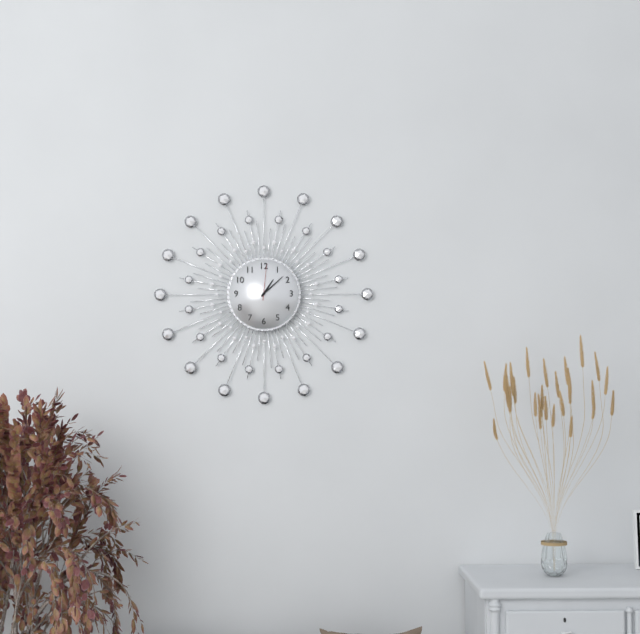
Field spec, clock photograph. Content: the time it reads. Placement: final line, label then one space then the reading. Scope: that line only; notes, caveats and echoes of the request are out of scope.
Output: 1:08
